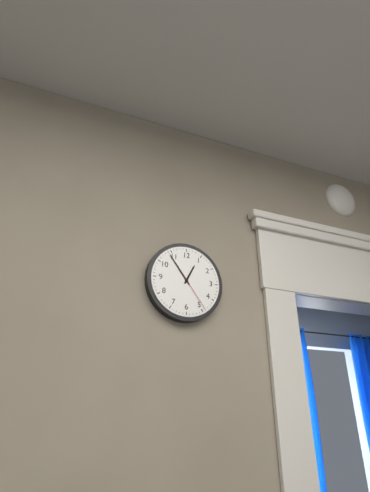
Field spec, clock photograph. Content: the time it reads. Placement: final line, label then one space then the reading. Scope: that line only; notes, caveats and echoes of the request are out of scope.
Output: 12:54
